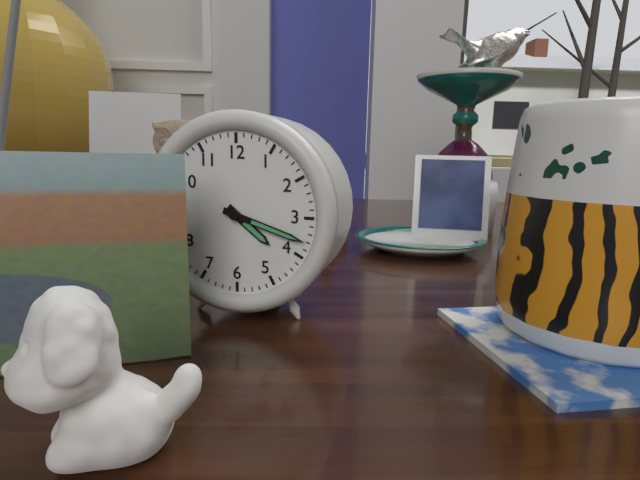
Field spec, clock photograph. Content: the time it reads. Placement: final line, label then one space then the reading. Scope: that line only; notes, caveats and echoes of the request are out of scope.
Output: 4:18
